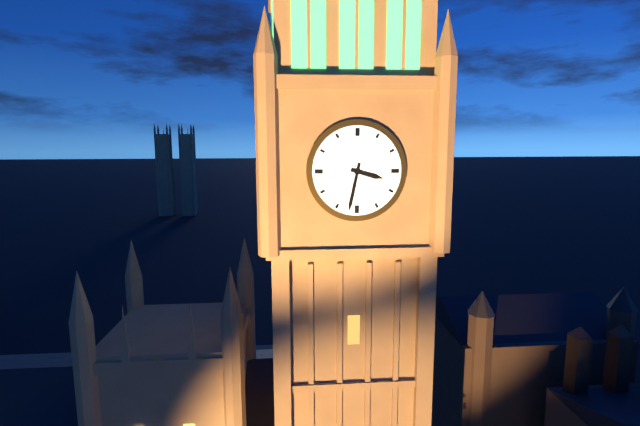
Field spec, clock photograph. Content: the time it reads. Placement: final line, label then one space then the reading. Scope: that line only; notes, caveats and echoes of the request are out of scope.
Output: 3:32
